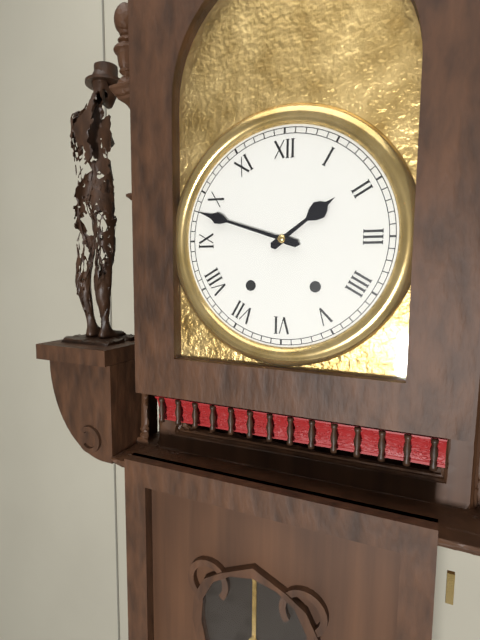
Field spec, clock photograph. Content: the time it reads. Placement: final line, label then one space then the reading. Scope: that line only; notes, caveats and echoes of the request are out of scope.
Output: 1:48
